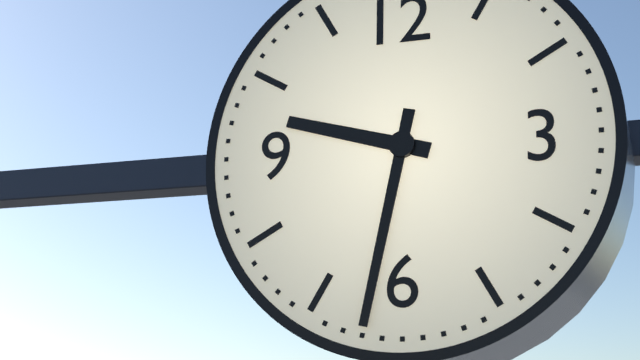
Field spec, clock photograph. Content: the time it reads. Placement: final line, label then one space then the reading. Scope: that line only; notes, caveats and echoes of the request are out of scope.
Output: 9:32
